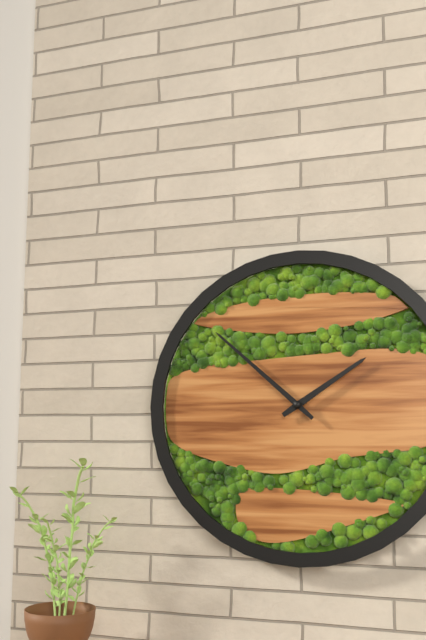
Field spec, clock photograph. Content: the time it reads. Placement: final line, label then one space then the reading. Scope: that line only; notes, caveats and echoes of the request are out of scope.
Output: 1:52
